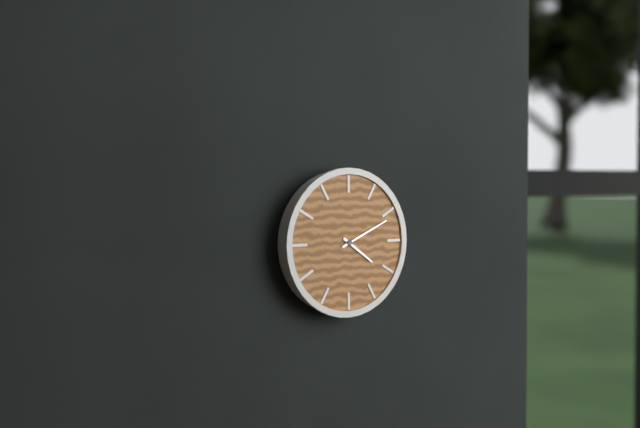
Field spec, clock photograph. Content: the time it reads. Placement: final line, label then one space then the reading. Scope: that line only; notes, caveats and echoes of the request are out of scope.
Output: 4:11
